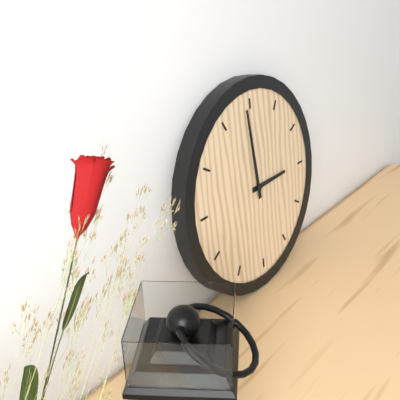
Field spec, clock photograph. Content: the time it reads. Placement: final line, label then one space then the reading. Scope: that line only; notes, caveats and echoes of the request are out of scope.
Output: 2:59
